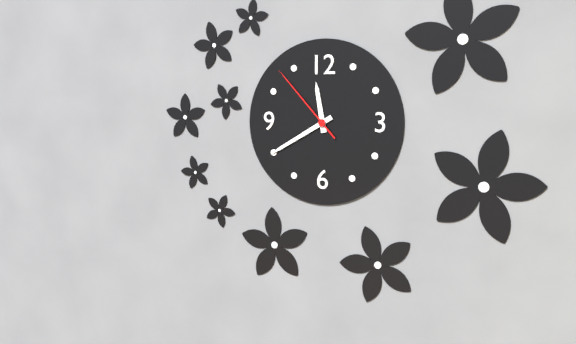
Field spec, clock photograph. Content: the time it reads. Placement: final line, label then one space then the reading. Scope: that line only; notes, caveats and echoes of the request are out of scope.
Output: 11:40:53
